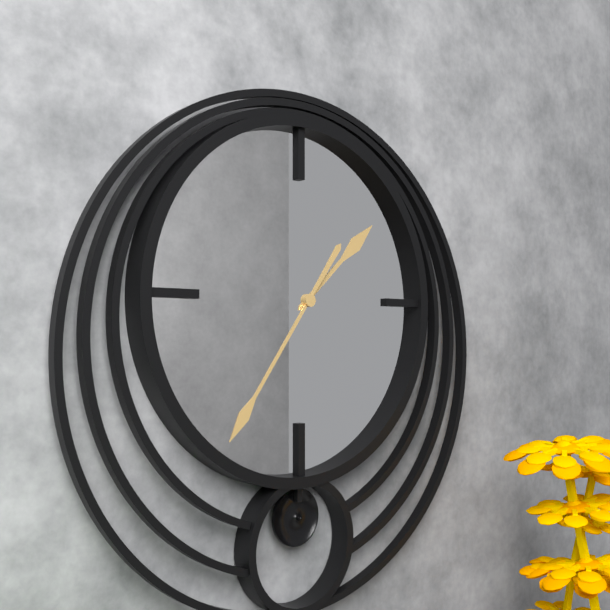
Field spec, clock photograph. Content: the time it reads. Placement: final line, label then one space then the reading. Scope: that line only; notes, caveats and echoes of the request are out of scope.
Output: 1:36
